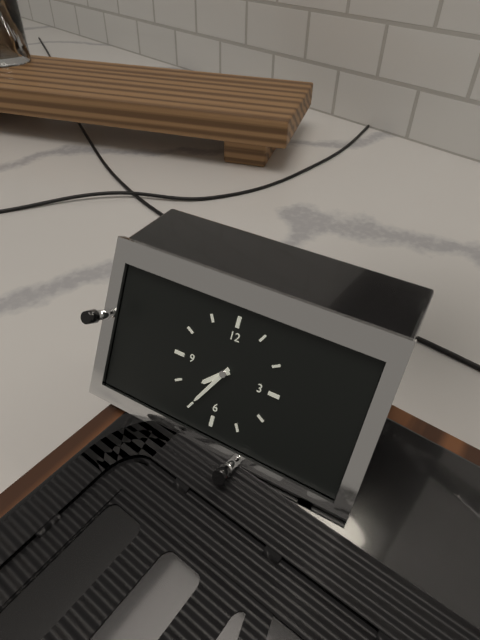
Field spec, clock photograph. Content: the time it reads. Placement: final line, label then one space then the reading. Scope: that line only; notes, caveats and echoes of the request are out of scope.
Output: 7:35
